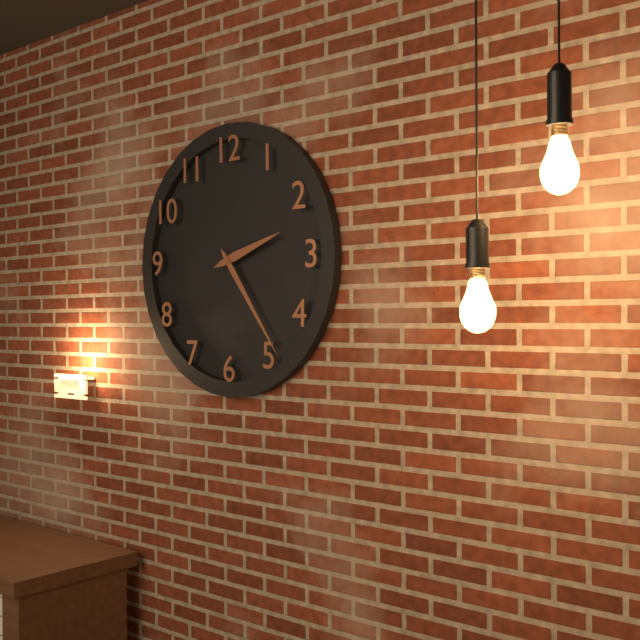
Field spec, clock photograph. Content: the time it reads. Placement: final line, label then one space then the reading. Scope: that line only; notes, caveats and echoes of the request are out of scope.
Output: 2:24
